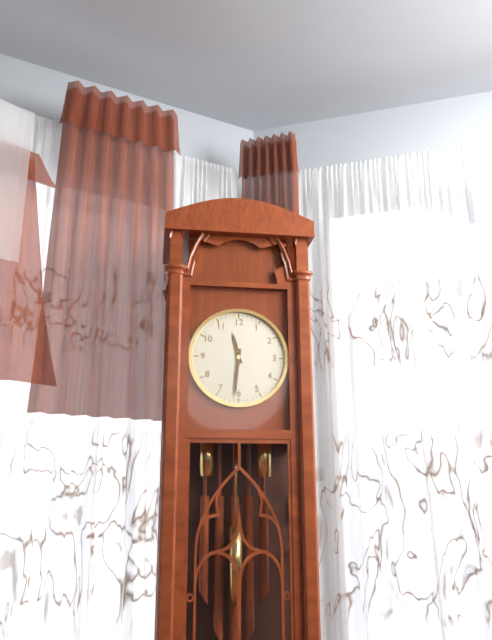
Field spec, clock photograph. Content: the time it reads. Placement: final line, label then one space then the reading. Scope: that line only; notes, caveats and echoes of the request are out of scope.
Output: 11:31
